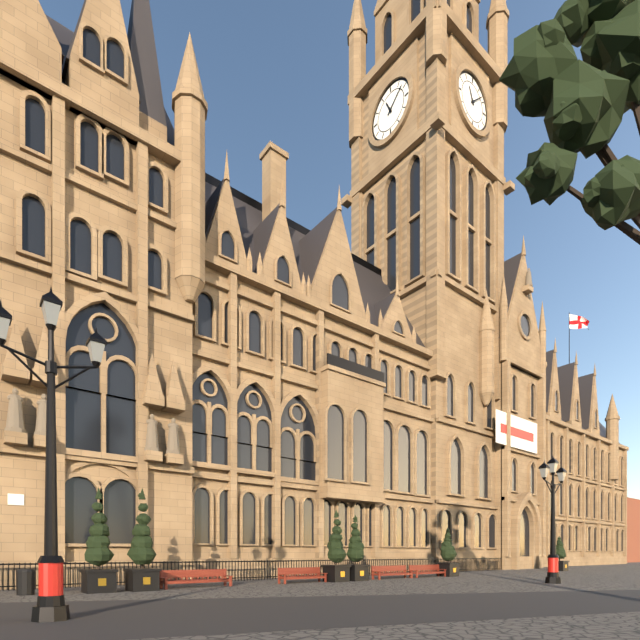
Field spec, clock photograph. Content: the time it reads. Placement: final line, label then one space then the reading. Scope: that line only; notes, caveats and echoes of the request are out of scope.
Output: 11:08
